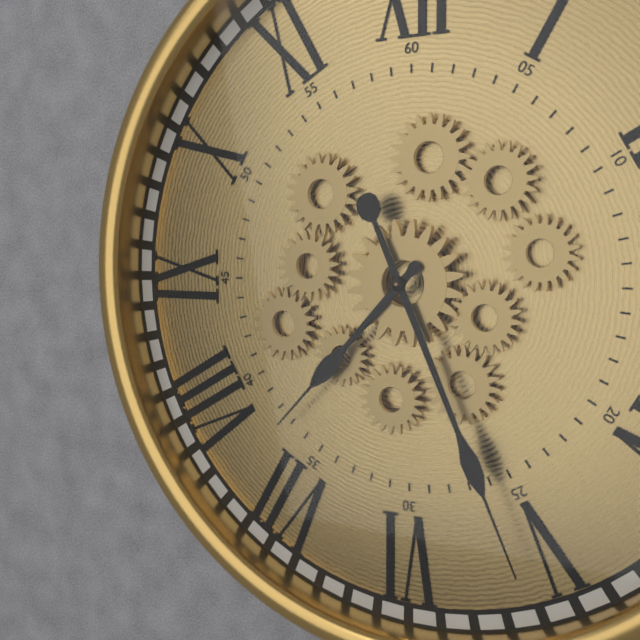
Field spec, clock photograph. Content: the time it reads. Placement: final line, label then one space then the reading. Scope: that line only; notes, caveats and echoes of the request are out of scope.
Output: 7:26
